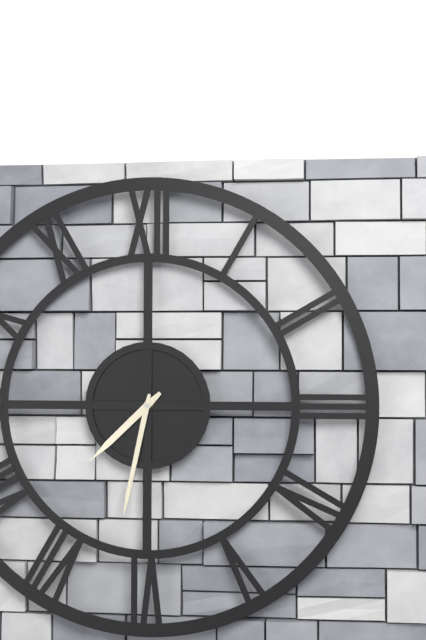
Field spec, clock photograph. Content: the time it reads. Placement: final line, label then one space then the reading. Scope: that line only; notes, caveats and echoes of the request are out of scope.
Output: 7:32
